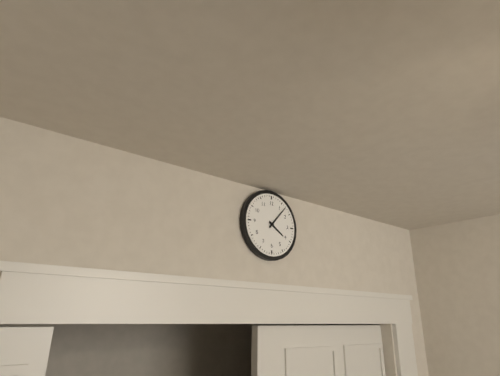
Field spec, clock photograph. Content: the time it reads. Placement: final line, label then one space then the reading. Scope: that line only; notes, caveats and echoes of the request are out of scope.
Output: 4:07
